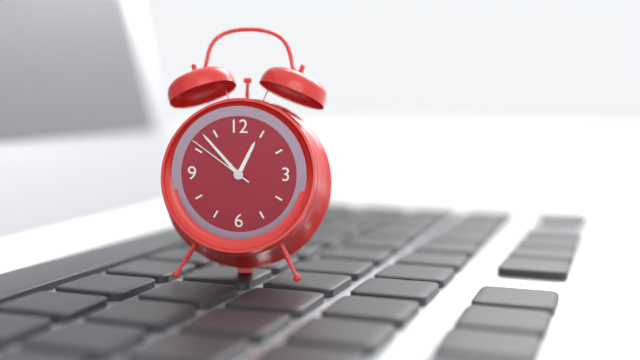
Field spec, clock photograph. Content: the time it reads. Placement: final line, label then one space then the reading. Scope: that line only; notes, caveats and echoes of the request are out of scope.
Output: 12:53:51
